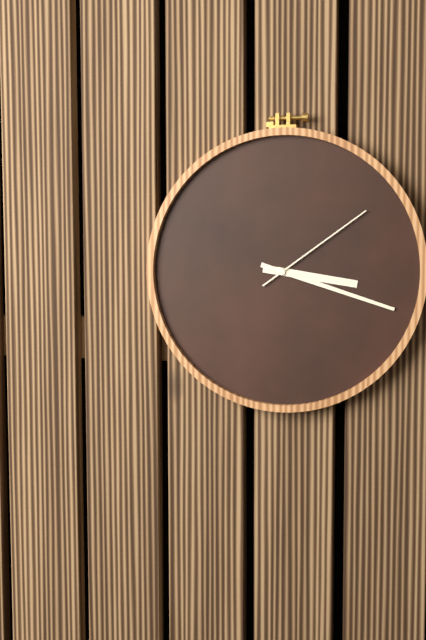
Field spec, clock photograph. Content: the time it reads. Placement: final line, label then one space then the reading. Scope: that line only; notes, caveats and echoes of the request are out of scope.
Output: 3:18:09
